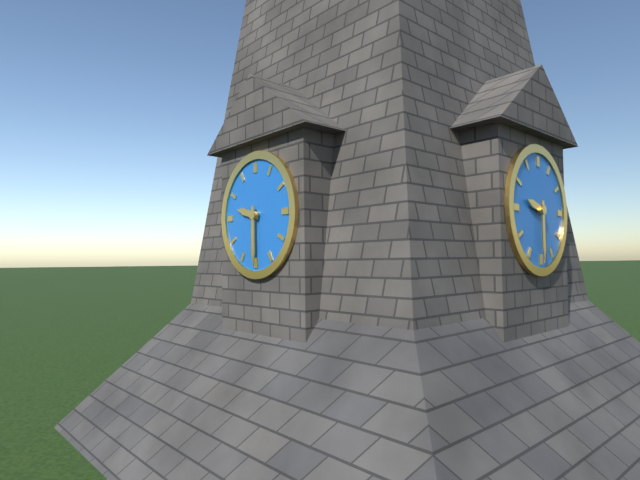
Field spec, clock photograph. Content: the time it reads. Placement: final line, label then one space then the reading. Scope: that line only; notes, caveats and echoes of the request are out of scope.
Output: 9:30
